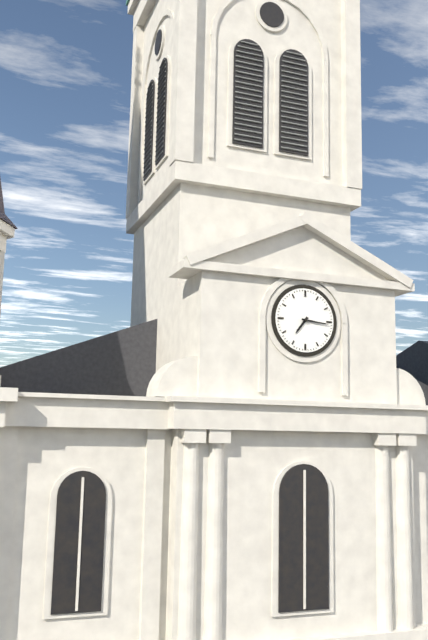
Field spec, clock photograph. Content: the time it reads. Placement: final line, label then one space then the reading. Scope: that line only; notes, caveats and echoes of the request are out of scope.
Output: 7:16
